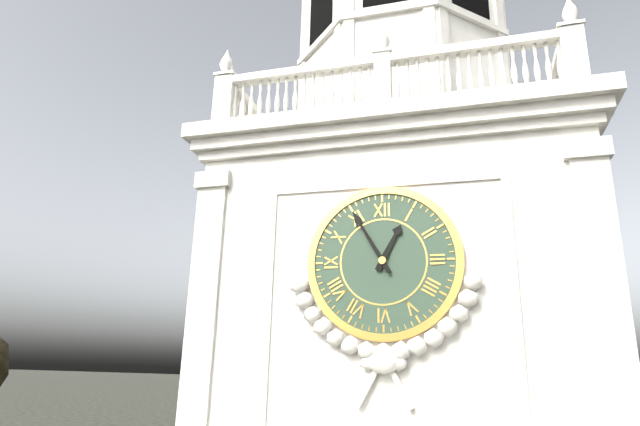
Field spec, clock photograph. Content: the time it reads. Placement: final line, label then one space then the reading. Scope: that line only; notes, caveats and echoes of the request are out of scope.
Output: 12:55
